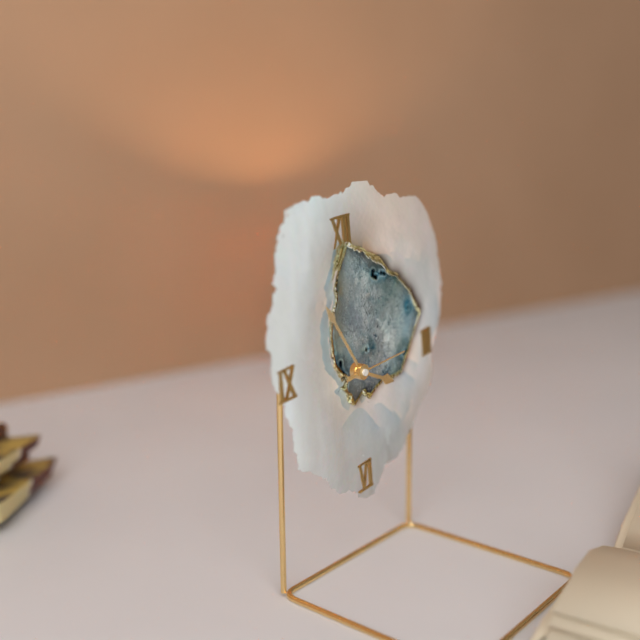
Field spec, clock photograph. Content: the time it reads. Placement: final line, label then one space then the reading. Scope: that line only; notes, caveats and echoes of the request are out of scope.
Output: 3:55:15
